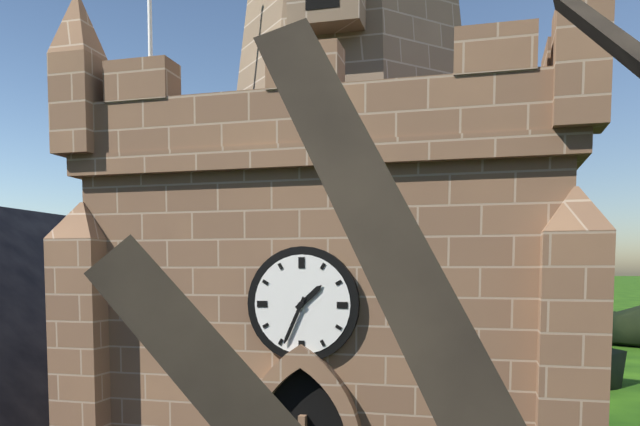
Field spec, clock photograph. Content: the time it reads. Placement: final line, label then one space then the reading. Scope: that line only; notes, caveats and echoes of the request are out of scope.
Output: 1:34
